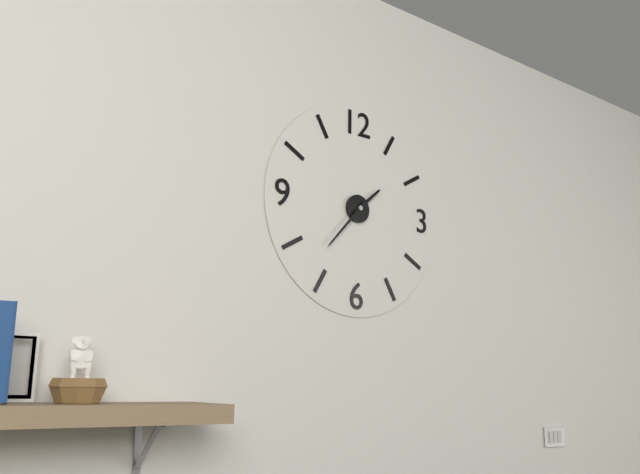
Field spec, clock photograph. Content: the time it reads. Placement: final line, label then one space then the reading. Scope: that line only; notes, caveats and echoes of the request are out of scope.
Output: 1:37
